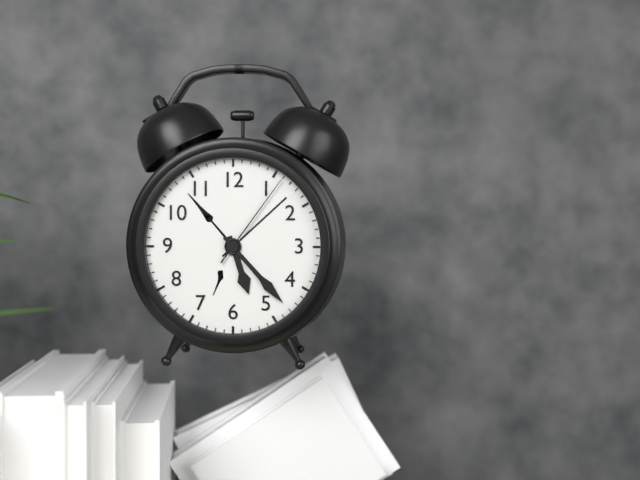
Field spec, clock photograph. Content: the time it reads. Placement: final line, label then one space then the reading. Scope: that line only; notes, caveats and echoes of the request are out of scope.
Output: 5:23:06
